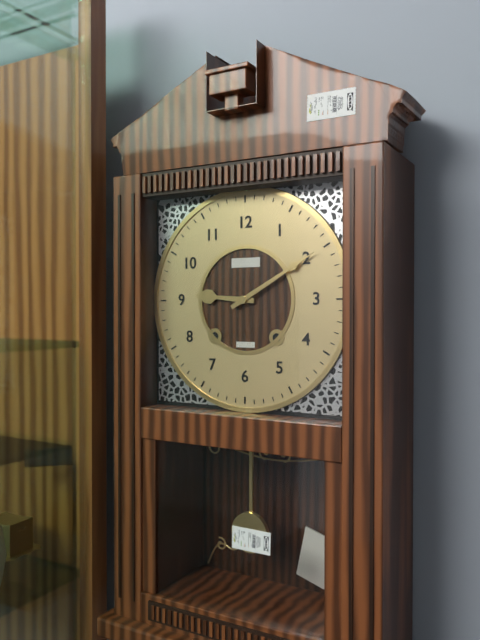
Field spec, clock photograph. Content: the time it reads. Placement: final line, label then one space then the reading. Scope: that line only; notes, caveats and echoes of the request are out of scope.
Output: 9:10
